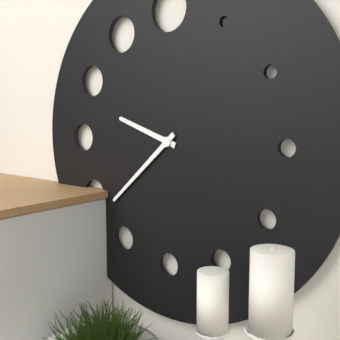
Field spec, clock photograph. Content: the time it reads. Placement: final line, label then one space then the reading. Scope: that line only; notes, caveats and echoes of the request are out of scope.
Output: 9:38
